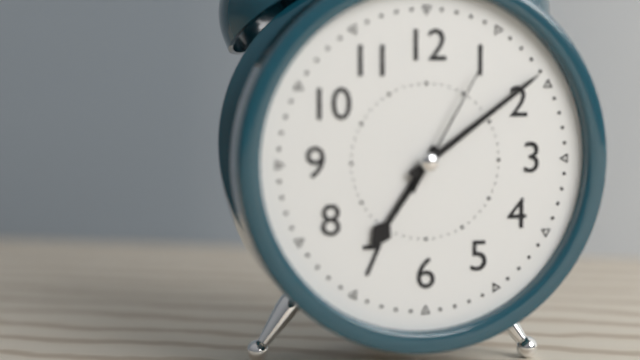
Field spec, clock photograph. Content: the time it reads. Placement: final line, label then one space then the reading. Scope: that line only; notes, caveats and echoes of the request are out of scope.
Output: 7:09:05
